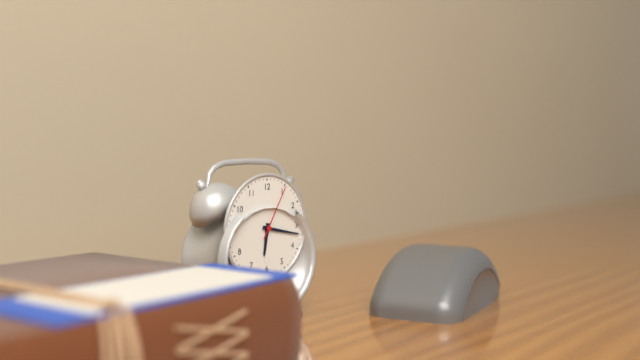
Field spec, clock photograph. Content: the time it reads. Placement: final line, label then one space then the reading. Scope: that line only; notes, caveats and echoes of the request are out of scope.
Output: 6:17:05
